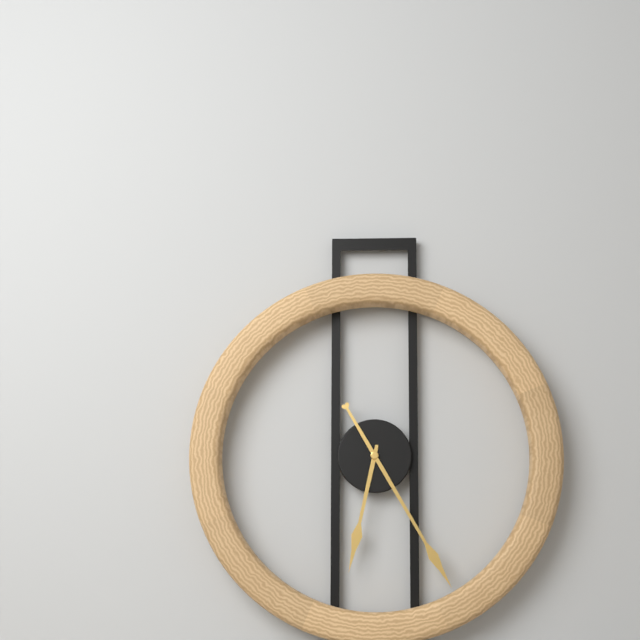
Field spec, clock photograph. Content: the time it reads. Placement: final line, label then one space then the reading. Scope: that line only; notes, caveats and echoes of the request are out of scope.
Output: 6:25
